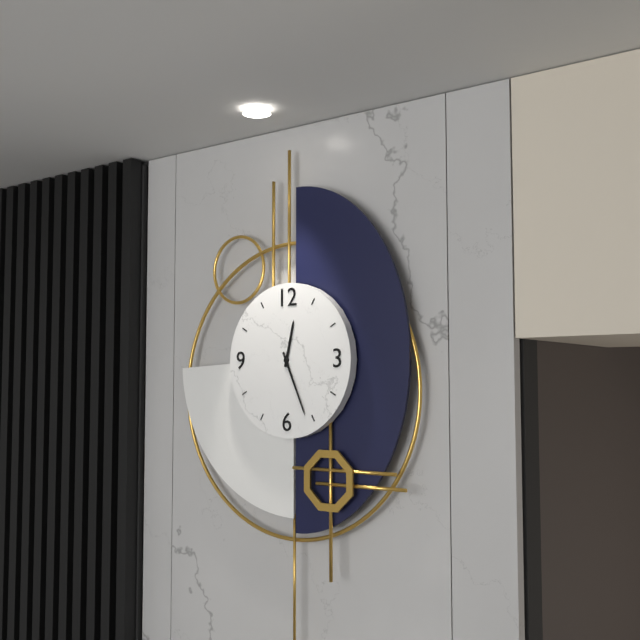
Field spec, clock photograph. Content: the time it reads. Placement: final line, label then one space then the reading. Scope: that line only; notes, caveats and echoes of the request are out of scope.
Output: 12:26
